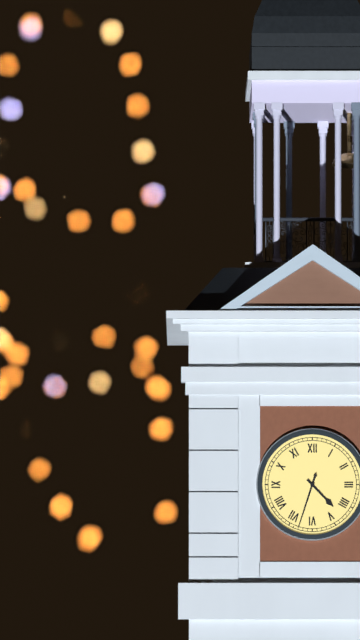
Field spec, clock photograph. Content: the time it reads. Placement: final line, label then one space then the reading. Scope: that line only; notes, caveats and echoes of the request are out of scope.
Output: 4:33
